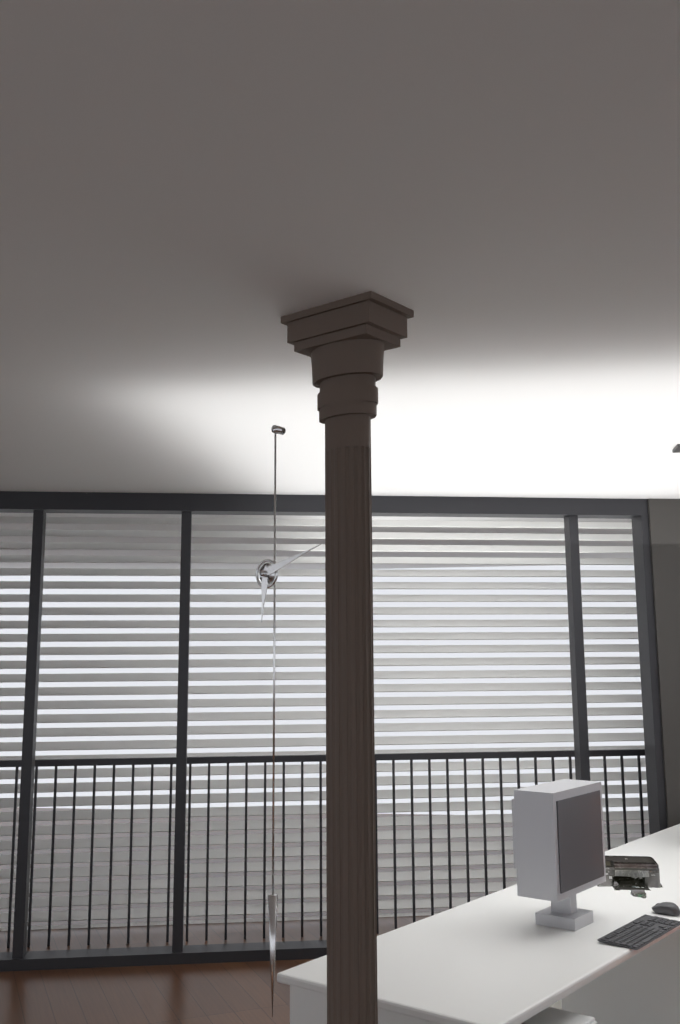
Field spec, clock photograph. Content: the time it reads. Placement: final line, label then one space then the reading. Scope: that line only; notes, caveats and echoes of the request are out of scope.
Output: 6:12
